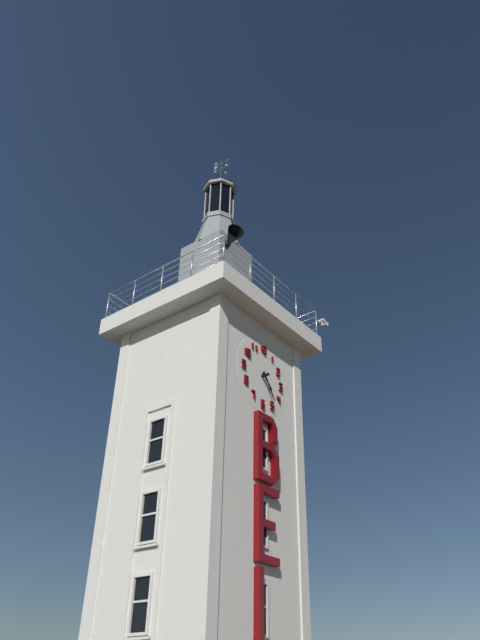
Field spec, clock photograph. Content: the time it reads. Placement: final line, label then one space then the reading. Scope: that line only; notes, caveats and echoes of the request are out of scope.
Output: 4:24
